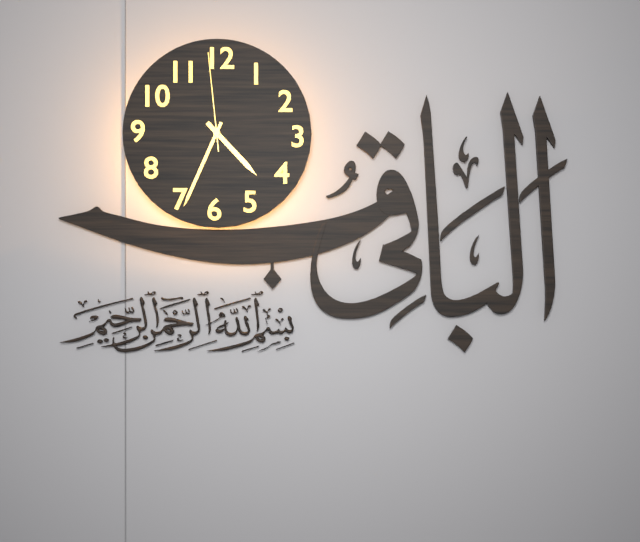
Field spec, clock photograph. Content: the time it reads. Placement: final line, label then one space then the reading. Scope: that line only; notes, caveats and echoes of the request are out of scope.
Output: 4:34:59
